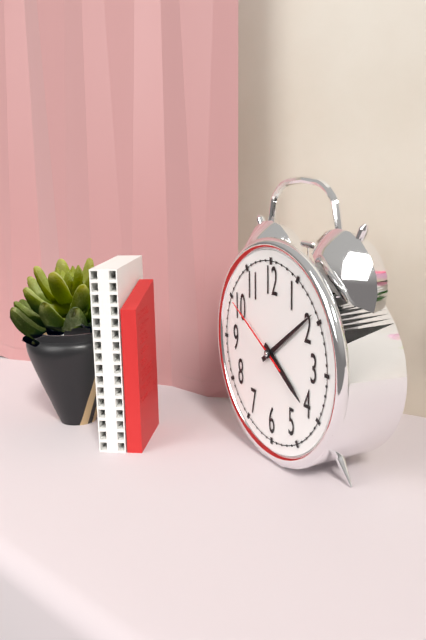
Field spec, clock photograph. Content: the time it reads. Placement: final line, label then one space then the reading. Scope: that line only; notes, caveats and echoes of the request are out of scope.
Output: 4:09:50
